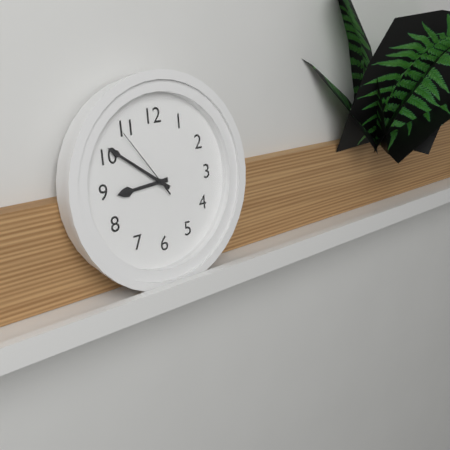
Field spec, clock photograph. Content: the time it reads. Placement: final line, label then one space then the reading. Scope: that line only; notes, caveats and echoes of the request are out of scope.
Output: 8:51:54
